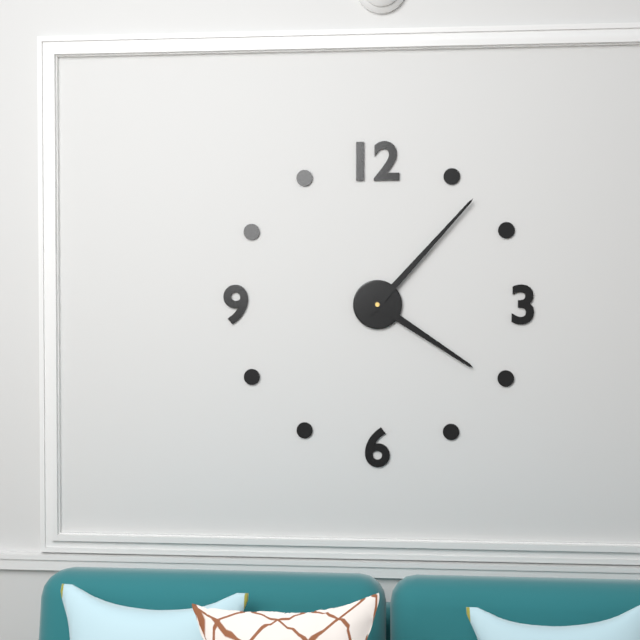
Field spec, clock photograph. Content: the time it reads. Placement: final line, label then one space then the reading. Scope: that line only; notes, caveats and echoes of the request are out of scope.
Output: 4:07
